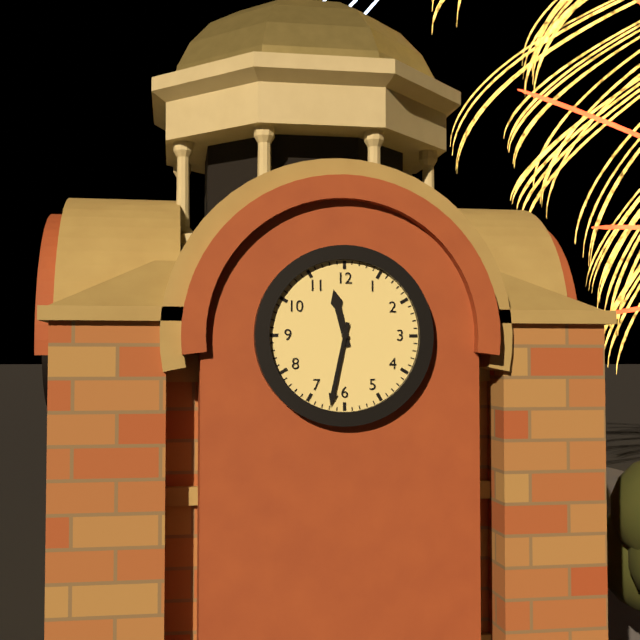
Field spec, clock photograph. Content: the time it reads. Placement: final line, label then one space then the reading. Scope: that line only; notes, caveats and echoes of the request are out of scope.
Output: 11:32
